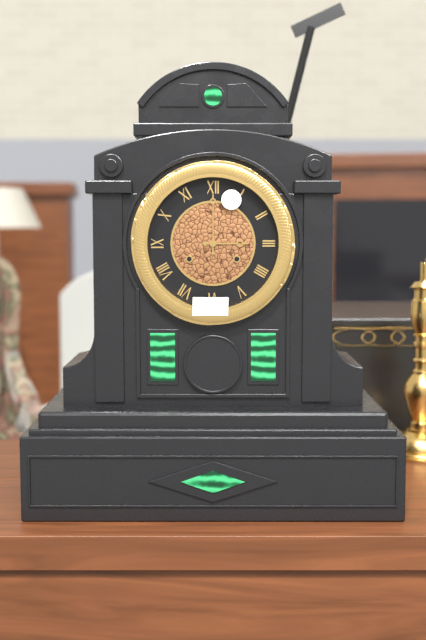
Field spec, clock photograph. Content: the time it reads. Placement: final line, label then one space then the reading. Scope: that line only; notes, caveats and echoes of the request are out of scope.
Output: 3:00
